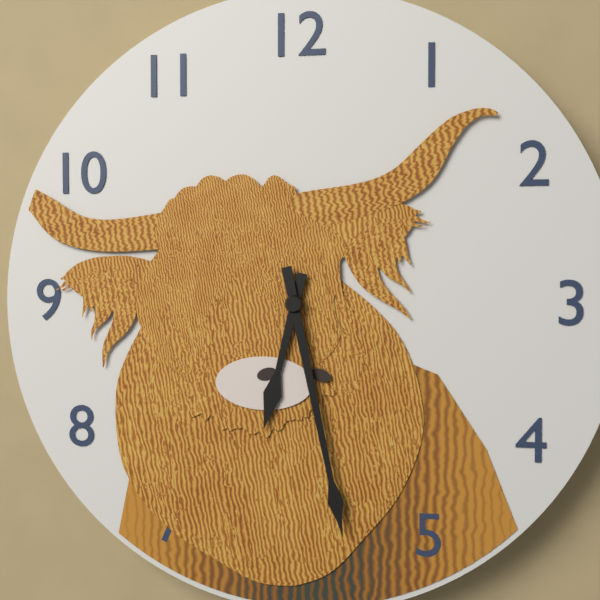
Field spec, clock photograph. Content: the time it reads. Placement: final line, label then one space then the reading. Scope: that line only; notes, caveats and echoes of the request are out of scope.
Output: 6:28
